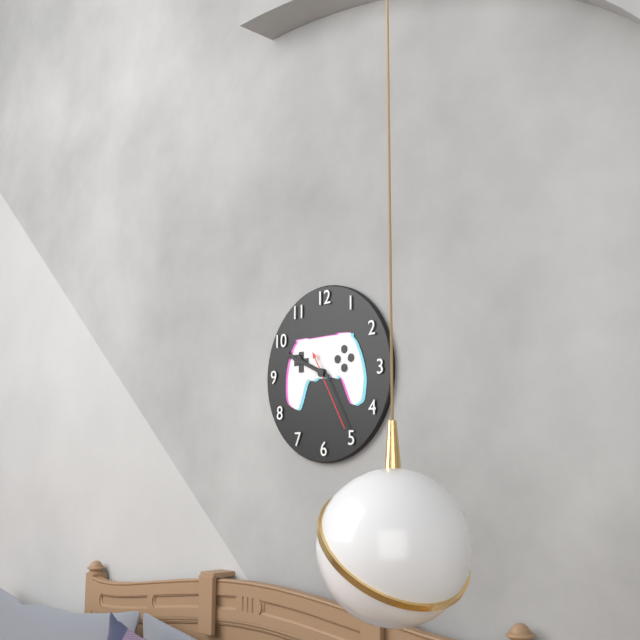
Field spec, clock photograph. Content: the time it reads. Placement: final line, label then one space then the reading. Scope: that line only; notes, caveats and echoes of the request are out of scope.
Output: 9:49:25
